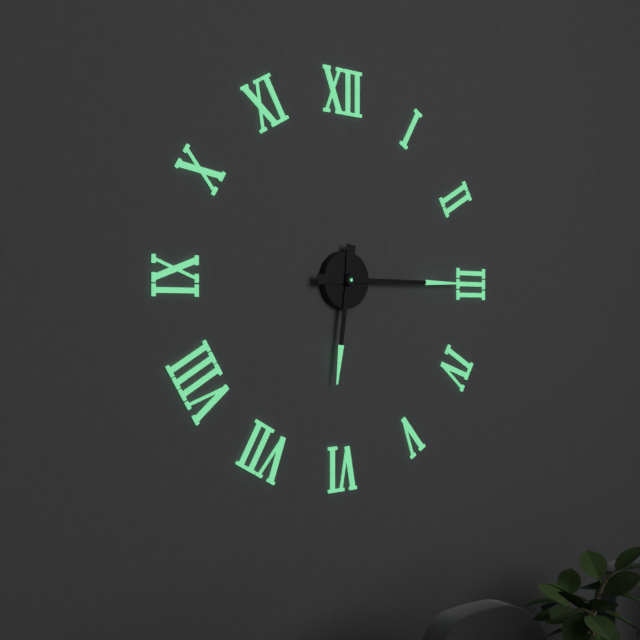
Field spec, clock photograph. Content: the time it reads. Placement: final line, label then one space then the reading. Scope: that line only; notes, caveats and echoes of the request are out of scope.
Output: 6:15
